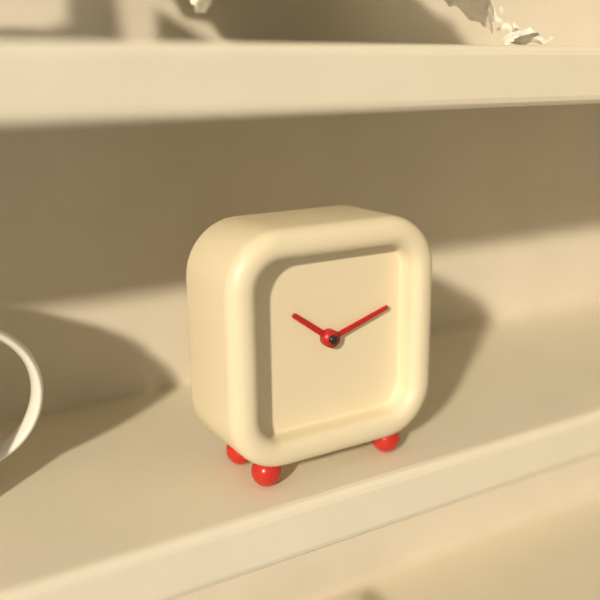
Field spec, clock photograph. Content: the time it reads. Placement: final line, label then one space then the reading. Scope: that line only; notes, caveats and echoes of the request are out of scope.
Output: 10:12
